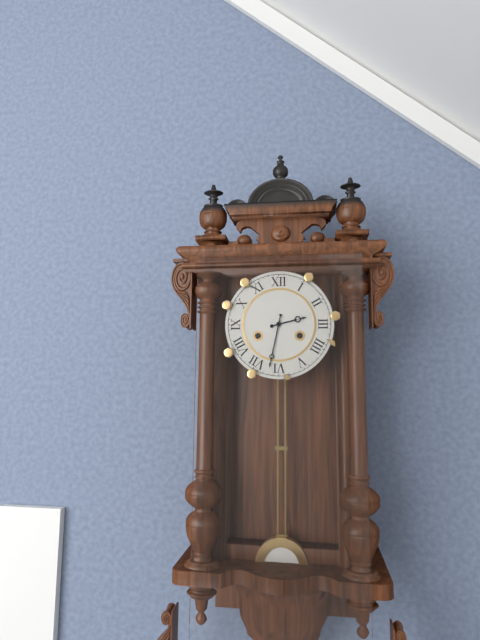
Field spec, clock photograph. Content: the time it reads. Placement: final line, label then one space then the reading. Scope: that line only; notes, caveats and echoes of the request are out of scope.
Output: 2:32
